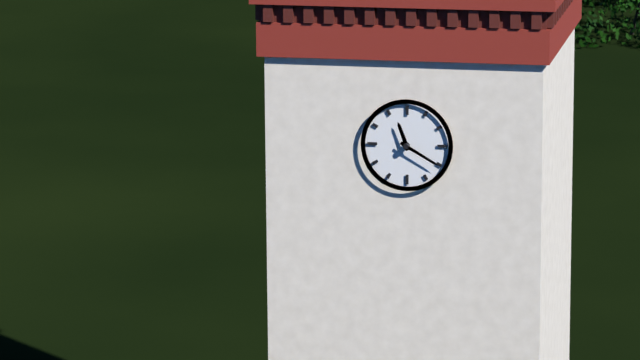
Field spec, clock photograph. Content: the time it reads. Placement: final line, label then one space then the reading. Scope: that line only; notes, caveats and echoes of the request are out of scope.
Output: 11:20
